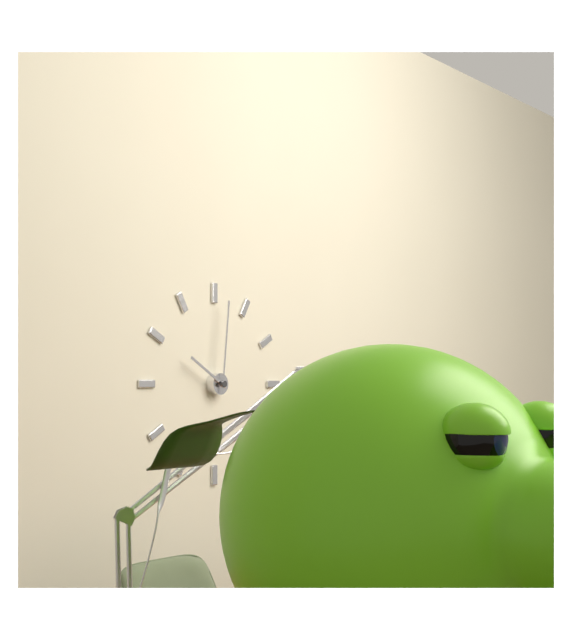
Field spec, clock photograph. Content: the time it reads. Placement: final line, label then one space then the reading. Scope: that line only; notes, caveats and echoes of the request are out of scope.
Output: 10:01
